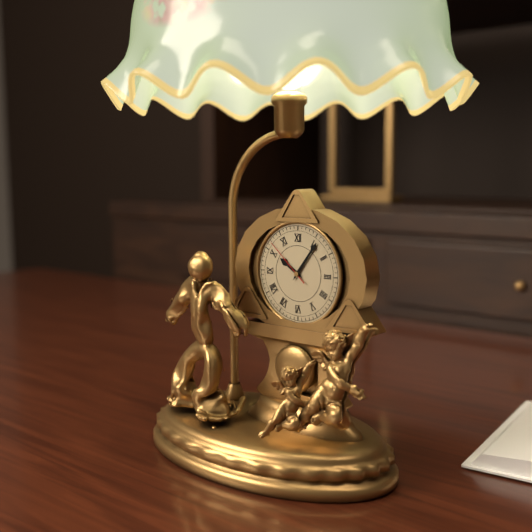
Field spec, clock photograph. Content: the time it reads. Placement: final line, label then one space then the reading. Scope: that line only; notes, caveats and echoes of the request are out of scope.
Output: 10:06:52
